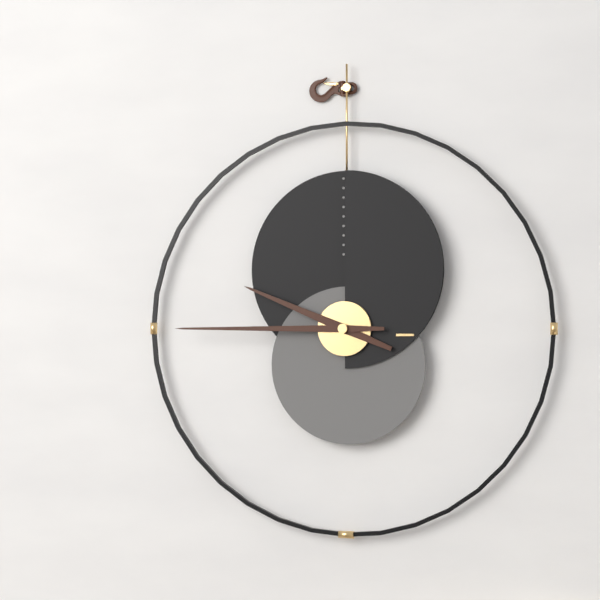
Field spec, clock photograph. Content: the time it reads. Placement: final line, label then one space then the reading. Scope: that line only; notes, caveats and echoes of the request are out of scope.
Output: 9:45
